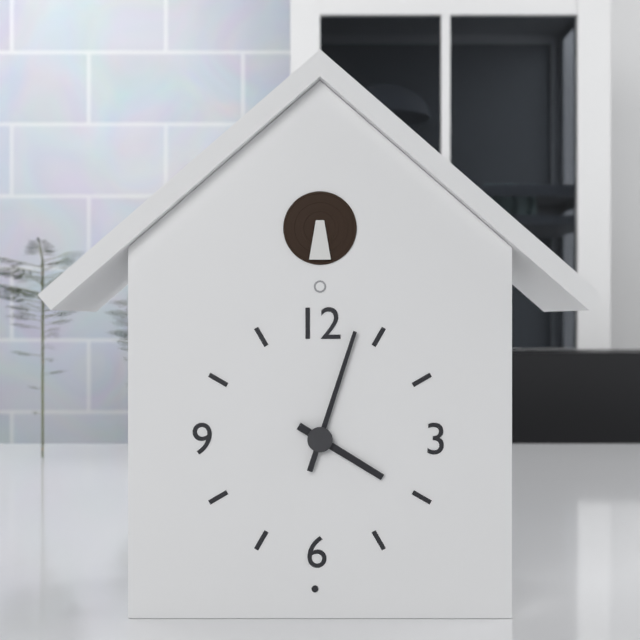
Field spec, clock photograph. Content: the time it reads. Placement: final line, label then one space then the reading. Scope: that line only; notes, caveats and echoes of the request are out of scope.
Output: 4:03
